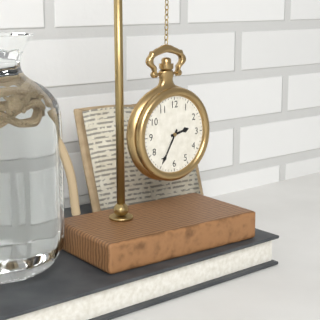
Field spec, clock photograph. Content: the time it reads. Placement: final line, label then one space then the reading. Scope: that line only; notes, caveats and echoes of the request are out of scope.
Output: 2:35
